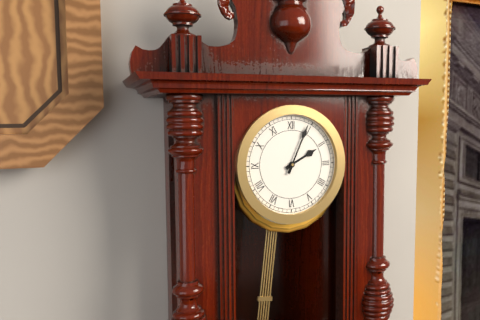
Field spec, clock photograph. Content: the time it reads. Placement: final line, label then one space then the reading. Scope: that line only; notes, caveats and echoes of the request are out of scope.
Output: 2:04
